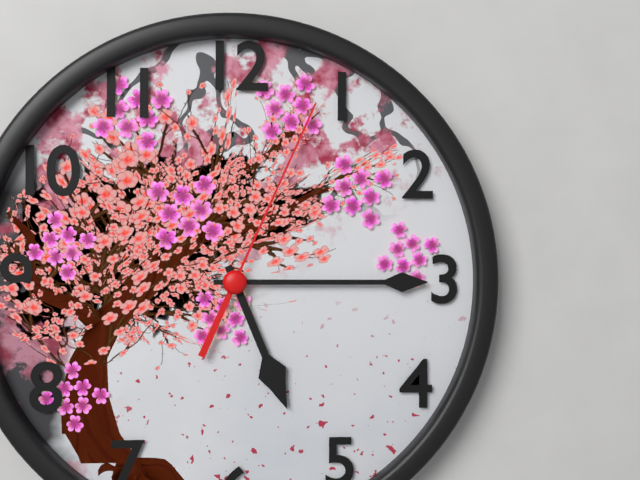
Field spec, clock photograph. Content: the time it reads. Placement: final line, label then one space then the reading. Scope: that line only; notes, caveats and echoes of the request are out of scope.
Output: 5:15:04
